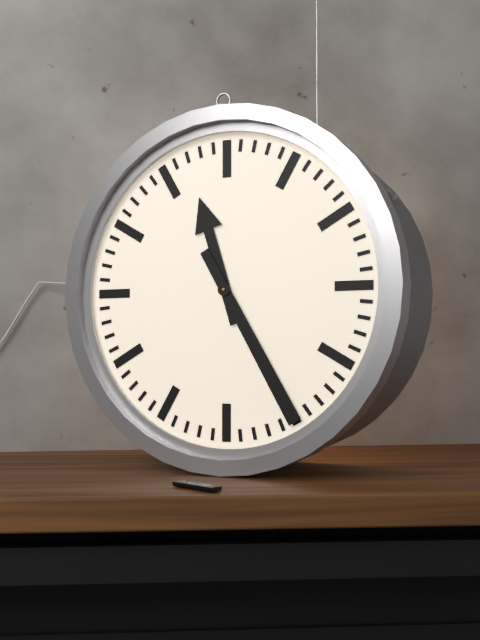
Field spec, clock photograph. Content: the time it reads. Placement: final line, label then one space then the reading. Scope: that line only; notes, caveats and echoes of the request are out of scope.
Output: 11:25
